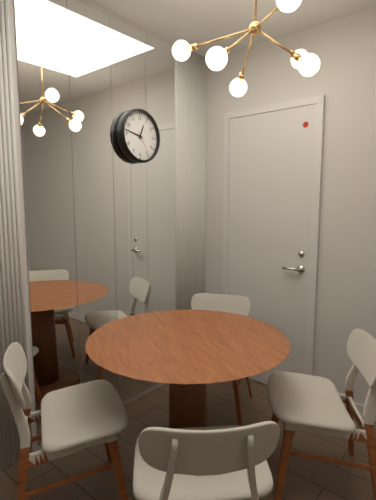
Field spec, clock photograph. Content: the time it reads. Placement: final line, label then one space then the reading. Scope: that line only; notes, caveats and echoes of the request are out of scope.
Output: 12:47
